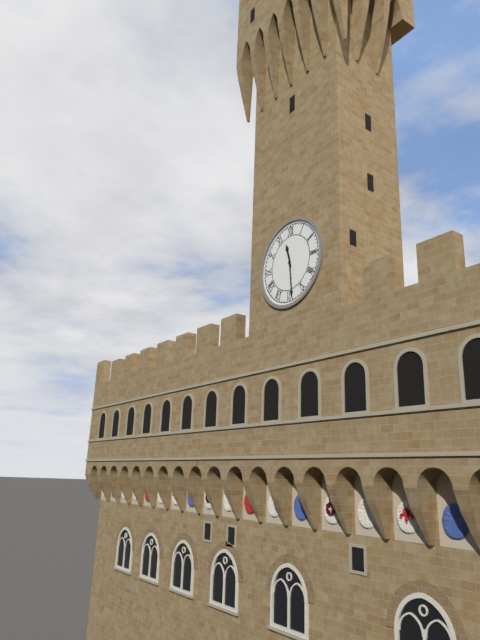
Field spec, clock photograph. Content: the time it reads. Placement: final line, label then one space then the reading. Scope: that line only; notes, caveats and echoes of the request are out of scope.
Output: 11:29
